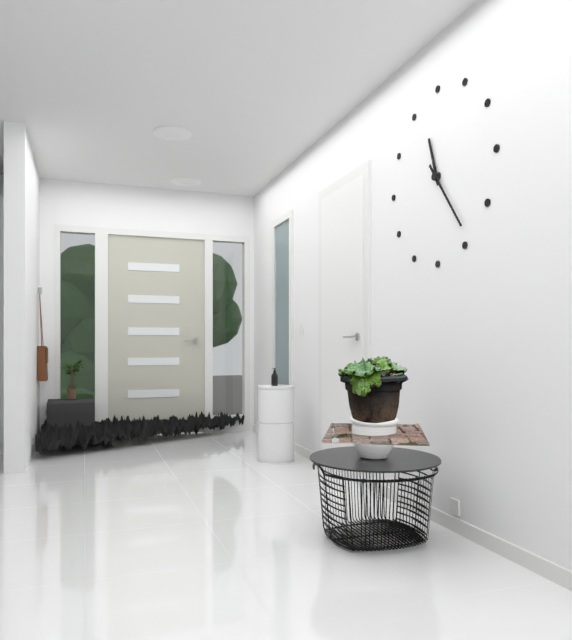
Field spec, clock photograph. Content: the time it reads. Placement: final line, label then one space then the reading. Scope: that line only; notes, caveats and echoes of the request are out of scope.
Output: 11:24
